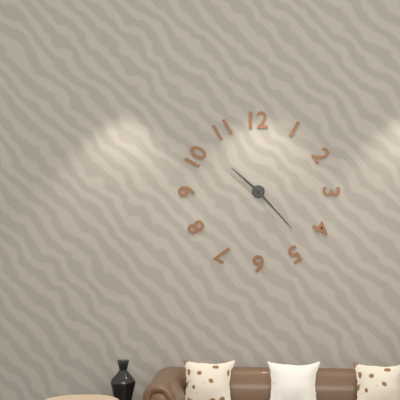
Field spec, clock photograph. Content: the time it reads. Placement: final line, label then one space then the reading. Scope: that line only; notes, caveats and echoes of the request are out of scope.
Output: 10:23
